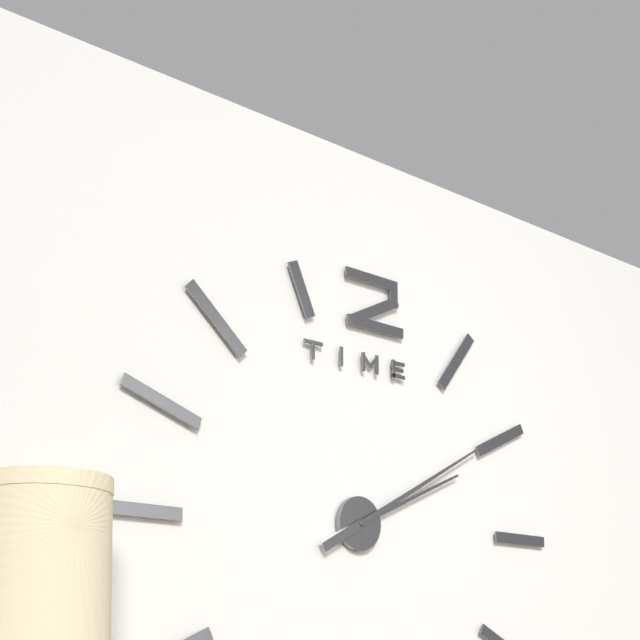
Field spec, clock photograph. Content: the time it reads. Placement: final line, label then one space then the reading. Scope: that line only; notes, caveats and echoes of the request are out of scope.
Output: 2:10
